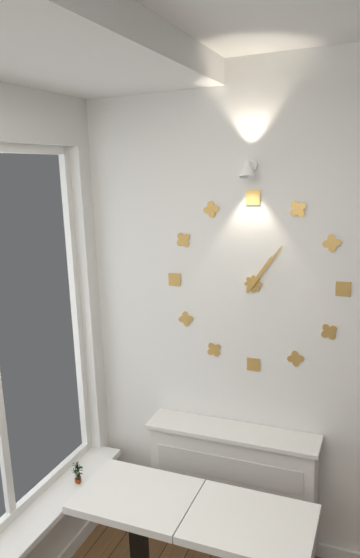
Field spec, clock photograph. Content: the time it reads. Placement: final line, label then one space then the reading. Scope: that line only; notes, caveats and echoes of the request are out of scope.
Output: 1:06
